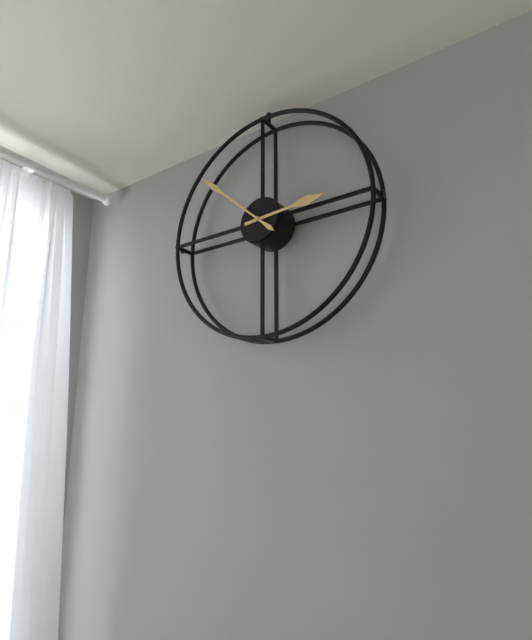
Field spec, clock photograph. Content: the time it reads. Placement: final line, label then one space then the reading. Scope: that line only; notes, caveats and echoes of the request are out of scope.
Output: 2:52
